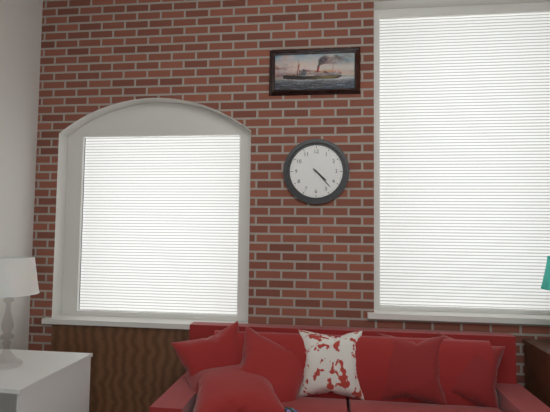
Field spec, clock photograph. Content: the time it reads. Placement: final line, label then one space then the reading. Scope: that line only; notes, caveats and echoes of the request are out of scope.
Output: 4:23
